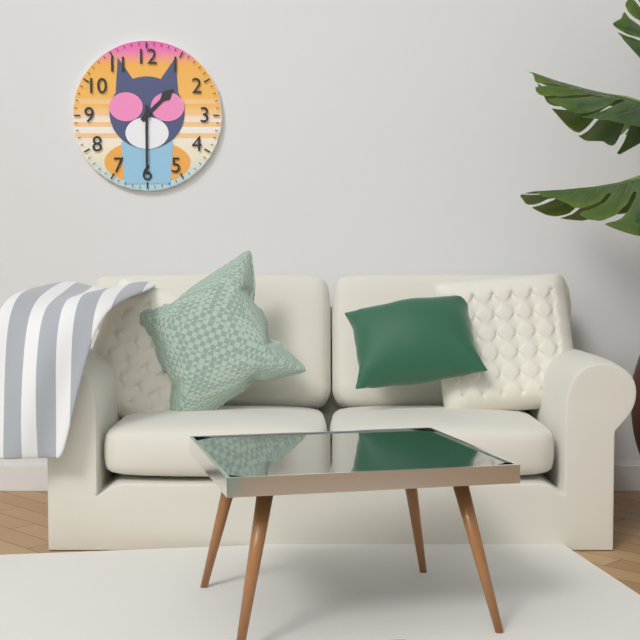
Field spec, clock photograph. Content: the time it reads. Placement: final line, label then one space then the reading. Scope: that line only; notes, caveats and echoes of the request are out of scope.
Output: 1:30
